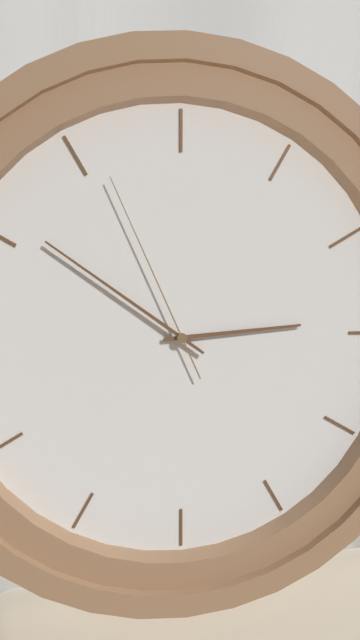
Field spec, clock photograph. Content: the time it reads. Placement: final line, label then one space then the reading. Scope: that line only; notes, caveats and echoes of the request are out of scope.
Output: 2:51:56
